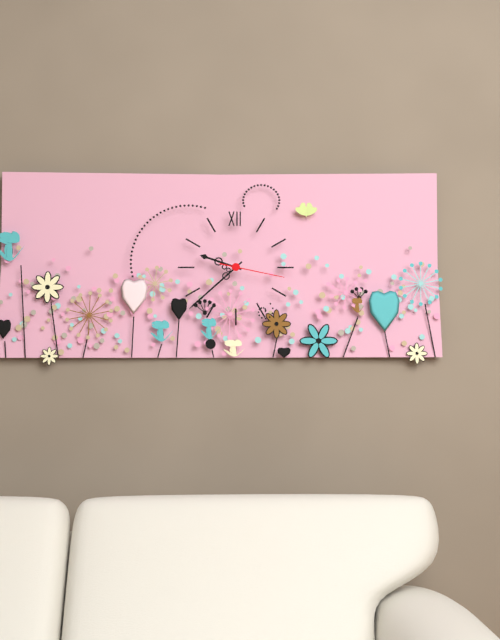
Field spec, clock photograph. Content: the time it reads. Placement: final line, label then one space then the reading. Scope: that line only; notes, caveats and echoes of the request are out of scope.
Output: 9:38:17
